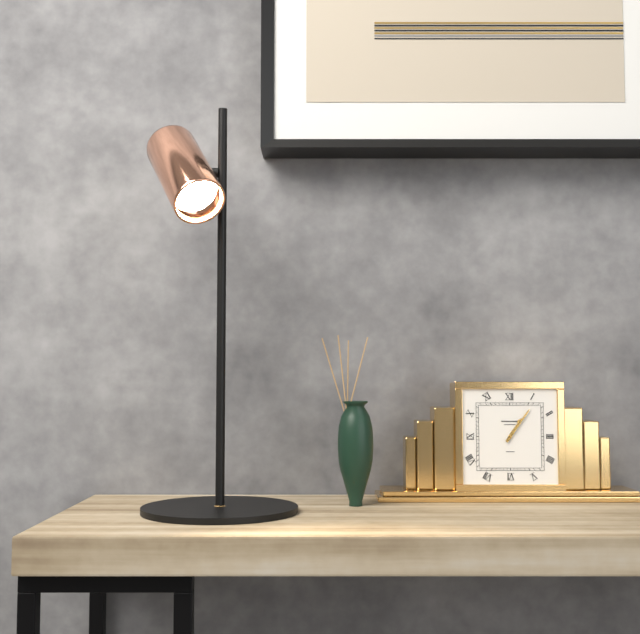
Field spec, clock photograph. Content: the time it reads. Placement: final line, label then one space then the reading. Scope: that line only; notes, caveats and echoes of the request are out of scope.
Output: 1:06
